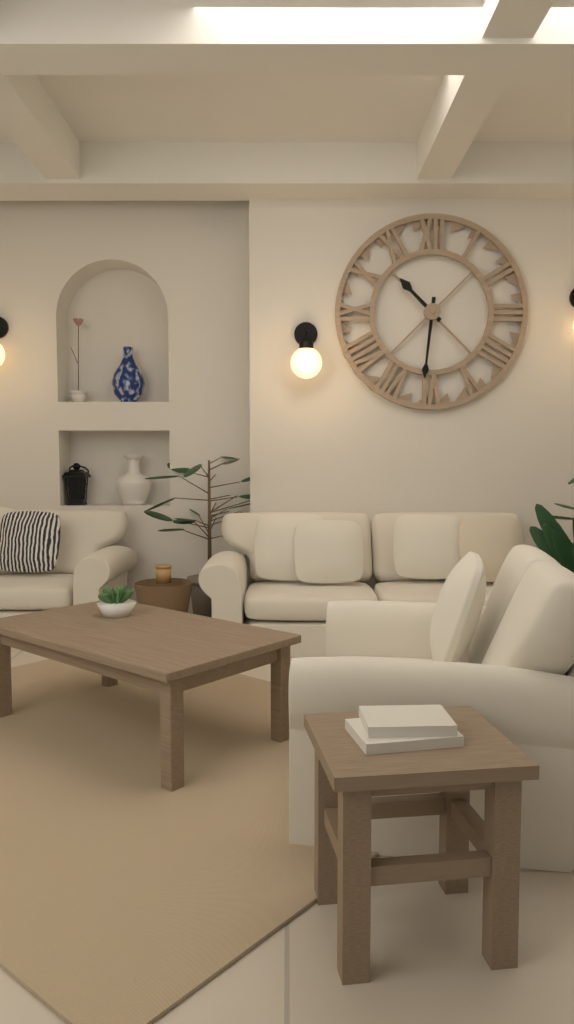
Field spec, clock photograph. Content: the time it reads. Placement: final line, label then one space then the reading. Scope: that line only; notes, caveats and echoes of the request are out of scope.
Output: 10:31
